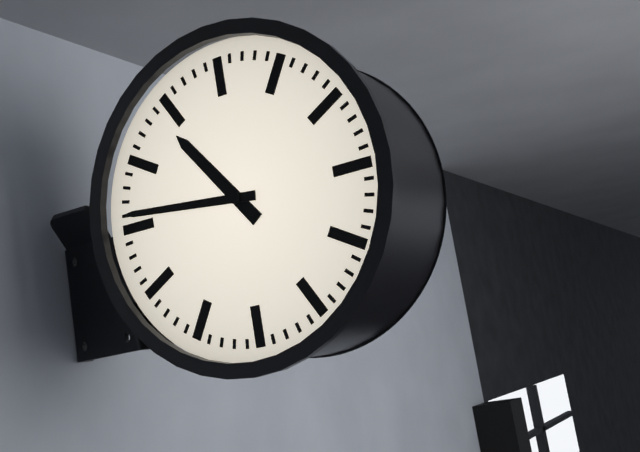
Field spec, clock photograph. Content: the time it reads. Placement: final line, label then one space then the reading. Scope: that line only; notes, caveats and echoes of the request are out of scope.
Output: 10:46
